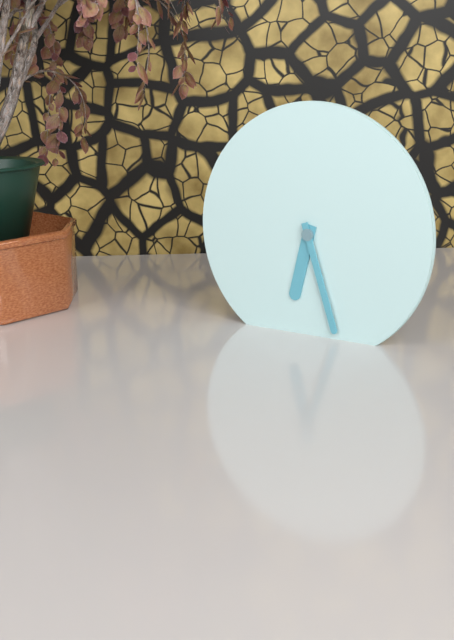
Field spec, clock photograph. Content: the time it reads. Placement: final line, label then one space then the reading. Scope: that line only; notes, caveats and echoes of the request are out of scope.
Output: 6:27
